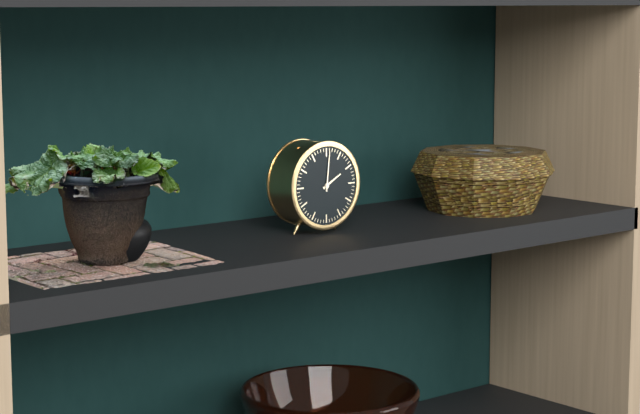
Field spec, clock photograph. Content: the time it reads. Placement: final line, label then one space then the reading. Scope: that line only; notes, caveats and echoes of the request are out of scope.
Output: 2:01
